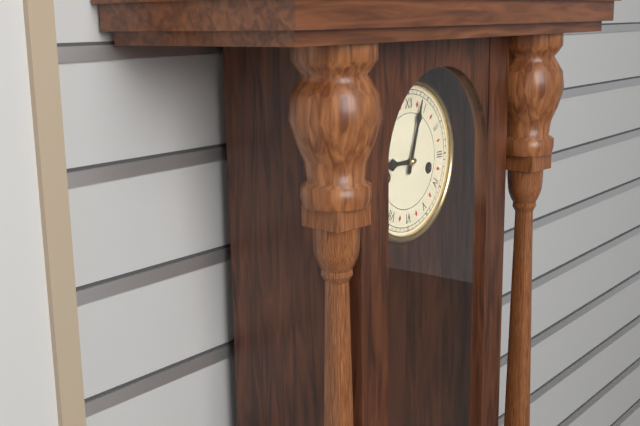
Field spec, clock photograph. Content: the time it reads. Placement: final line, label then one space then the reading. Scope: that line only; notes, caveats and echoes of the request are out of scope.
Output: 9:03
